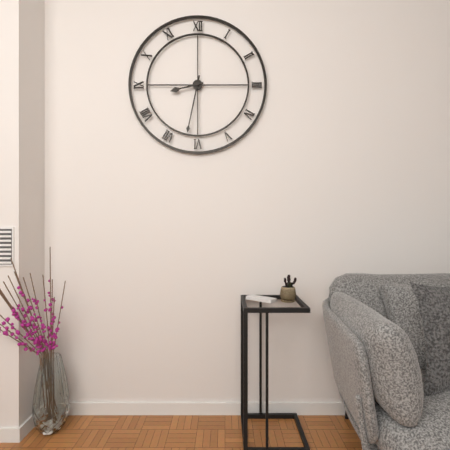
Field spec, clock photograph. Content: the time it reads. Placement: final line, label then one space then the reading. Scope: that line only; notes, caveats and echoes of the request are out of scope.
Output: 8:32
